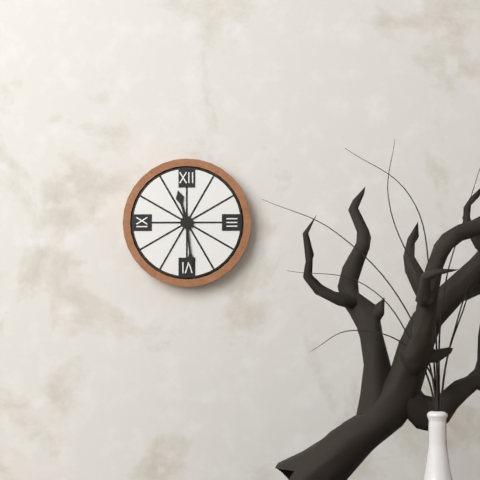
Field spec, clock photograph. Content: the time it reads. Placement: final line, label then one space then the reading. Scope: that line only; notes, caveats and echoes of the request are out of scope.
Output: 11:29
